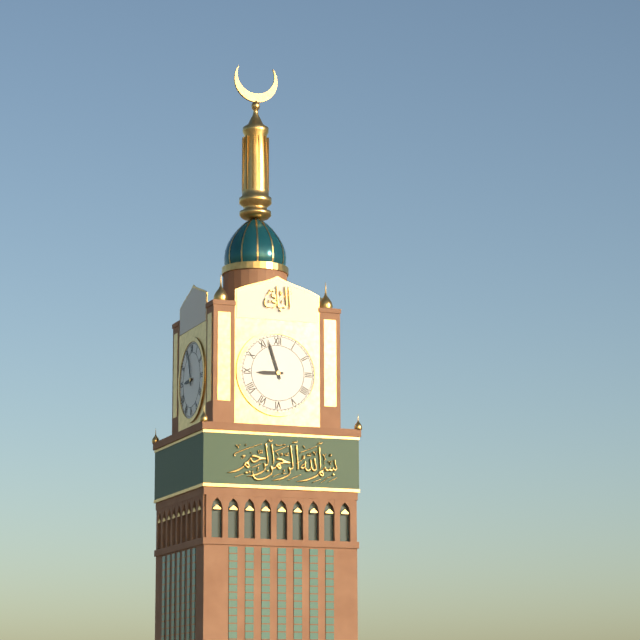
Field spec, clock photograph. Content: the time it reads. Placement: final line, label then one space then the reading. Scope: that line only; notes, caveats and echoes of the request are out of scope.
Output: 8:57
